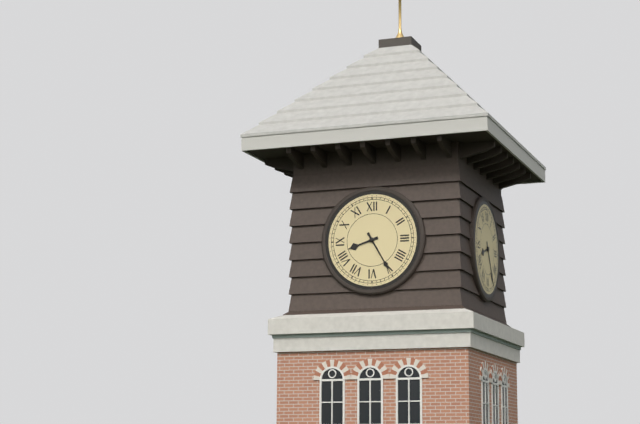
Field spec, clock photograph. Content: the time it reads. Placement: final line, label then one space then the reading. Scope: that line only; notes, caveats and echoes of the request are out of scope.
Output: 8:25
